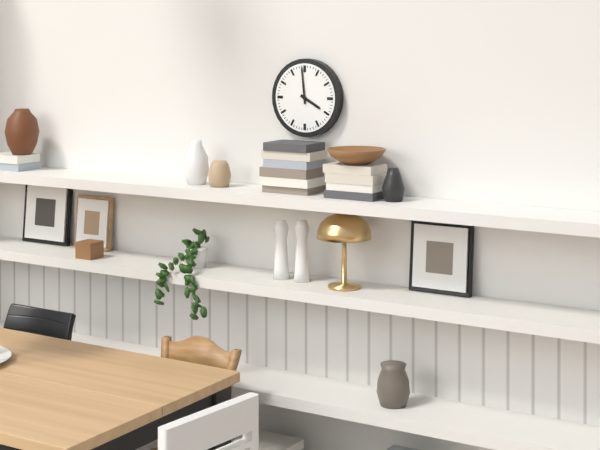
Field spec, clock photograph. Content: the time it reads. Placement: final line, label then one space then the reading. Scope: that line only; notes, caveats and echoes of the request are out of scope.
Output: 3:59
